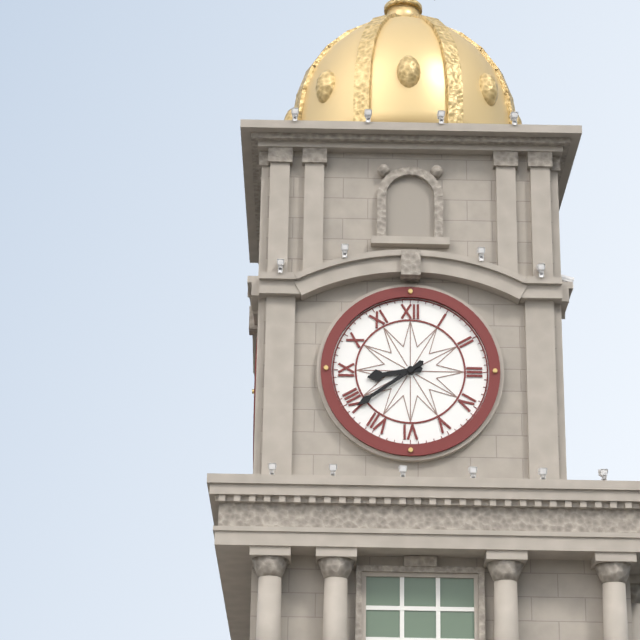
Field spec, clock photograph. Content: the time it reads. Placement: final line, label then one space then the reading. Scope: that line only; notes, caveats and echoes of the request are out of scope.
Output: 8:39
